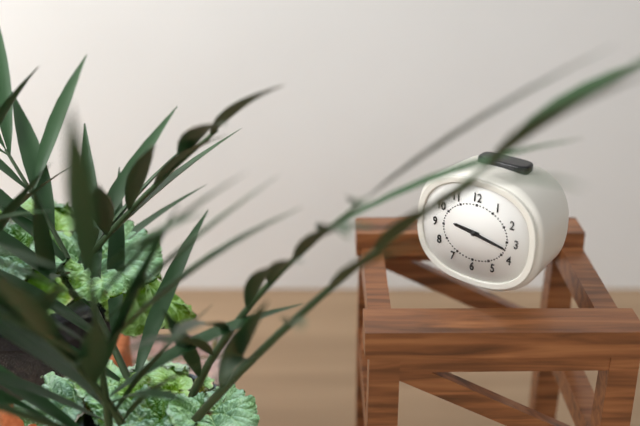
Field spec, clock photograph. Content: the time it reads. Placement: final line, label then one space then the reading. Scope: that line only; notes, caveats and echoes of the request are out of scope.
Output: 9:17
